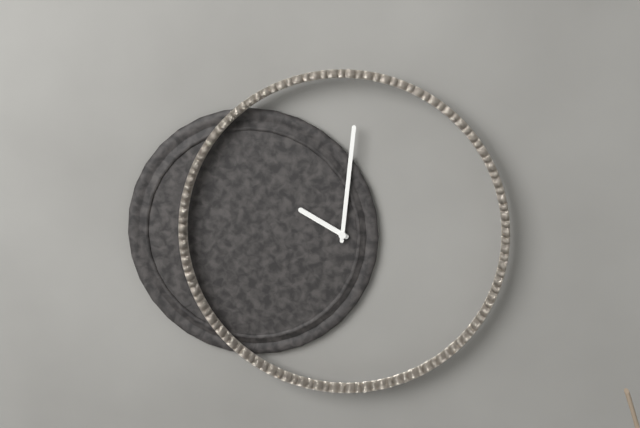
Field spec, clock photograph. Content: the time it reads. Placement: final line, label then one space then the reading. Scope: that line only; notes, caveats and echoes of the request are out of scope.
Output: 10:01
